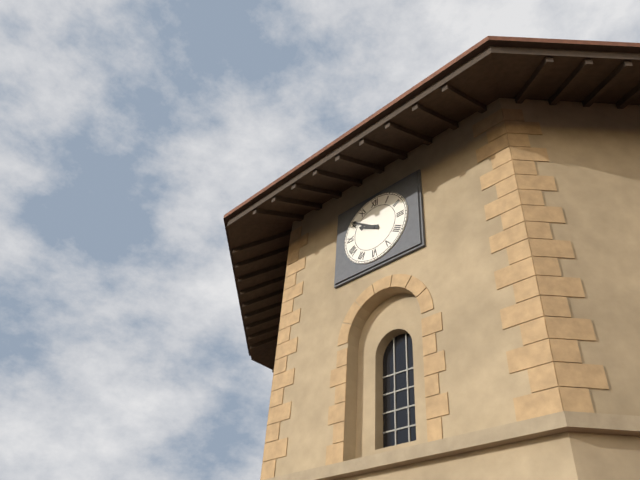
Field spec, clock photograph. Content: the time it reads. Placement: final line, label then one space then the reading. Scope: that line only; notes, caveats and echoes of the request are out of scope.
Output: 9:51
